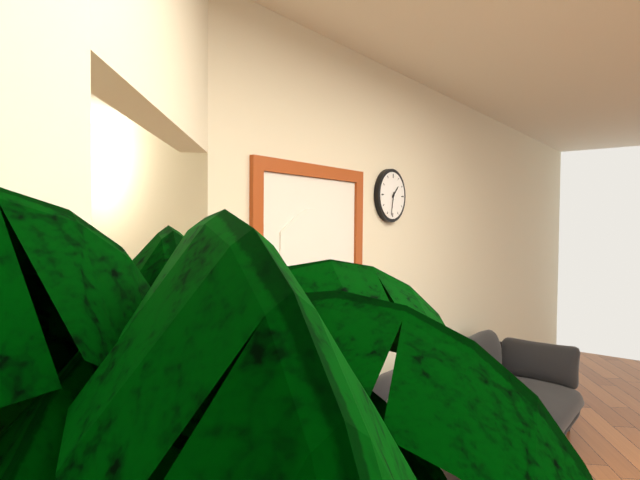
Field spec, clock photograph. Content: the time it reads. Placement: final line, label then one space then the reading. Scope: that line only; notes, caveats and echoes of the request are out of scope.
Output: 1:32
